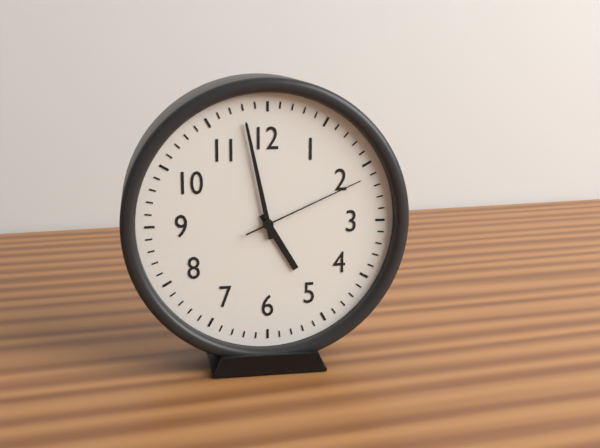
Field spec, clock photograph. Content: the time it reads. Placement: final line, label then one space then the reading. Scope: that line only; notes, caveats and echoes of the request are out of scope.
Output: 4:58:11
